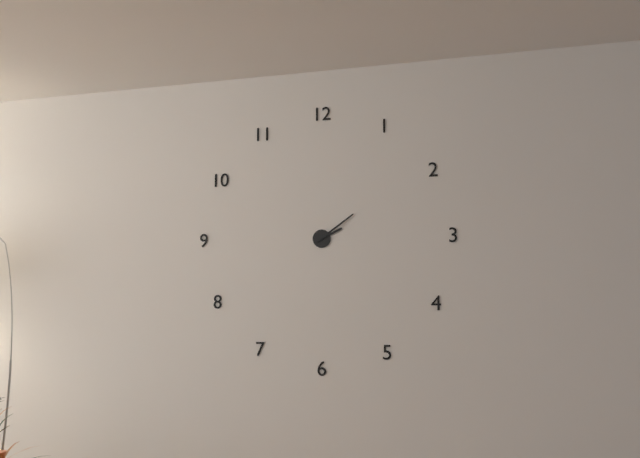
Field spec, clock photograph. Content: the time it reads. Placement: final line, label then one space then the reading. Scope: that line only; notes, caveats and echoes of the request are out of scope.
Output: 2:09
